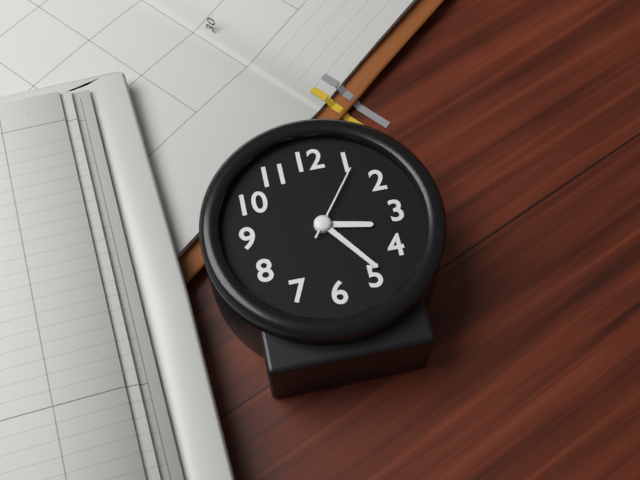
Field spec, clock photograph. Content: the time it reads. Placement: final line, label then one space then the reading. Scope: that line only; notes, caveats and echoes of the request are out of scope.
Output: 3:24:06
